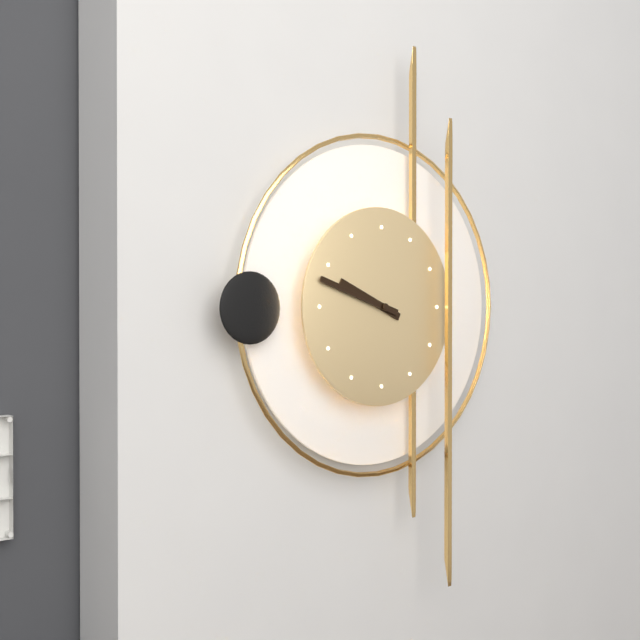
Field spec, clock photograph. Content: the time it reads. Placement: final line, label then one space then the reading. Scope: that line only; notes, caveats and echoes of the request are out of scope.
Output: 9:48
